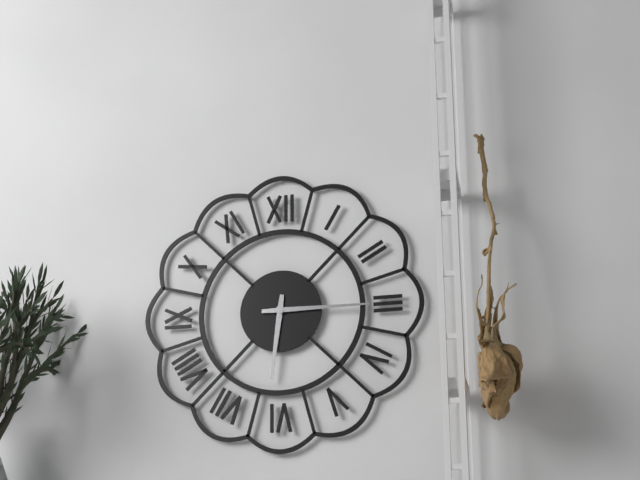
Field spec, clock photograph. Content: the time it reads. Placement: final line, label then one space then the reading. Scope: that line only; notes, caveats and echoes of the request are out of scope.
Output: 6:15
